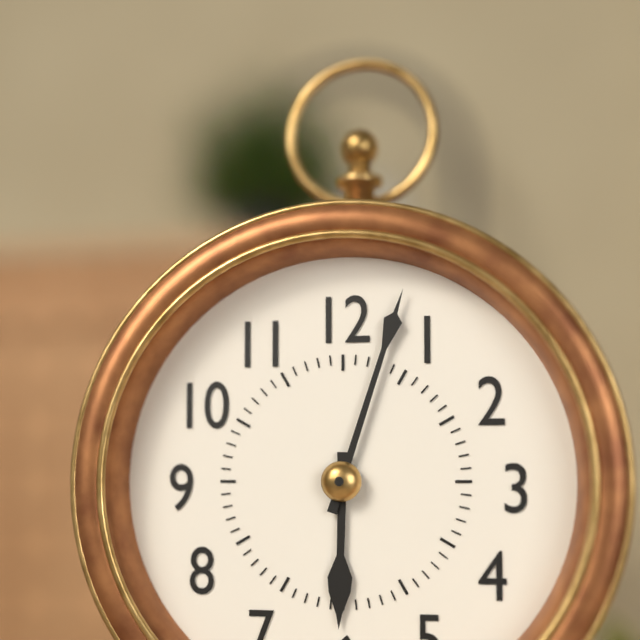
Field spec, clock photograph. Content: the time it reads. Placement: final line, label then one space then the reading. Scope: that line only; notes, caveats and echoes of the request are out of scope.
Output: 6:03
